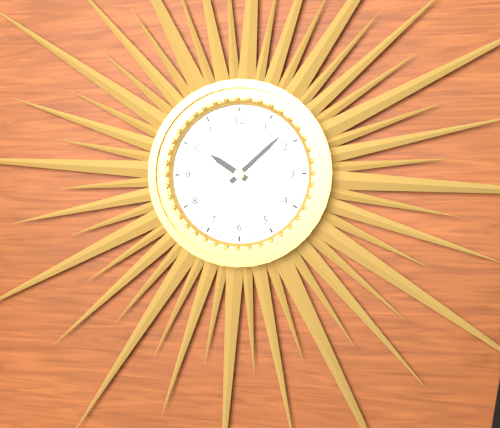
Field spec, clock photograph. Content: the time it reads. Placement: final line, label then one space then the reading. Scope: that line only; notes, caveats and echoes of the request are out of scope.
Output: 10:08
